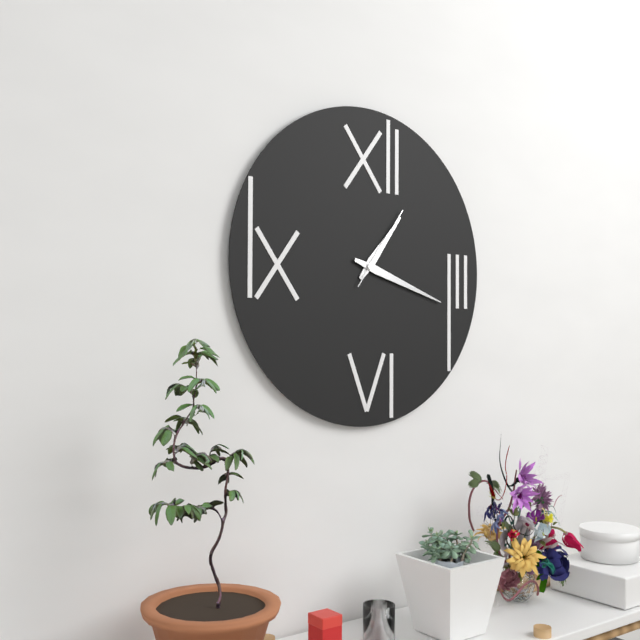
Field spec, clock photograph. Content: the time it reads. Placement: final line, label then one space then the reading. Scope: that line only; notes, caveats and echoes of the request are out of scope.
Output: 1:18:06
